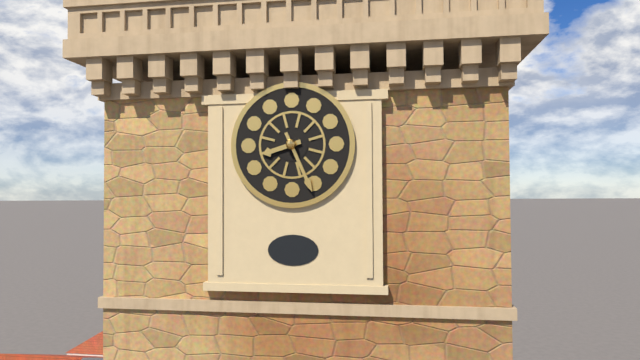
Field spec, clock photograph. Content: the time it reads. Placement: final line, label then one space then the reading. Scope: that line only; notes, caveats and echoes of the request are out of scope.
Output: 8:26
